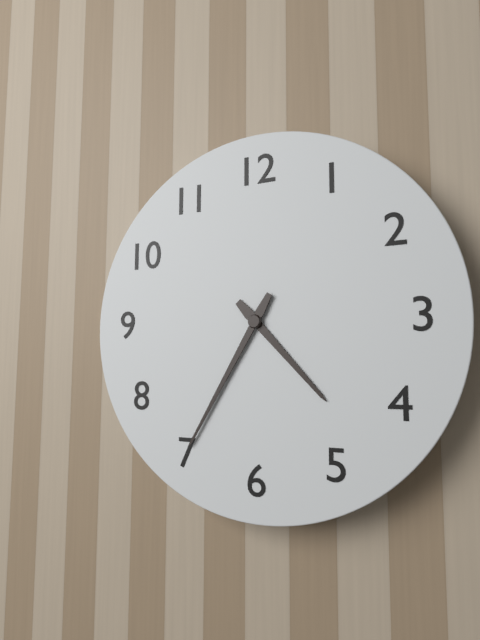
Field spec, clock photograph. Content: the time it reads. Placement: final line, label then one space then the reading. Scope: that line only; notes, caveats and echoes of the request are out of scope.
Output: 4:35
